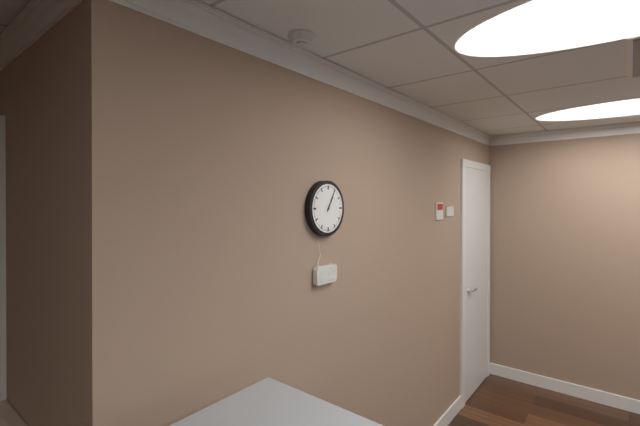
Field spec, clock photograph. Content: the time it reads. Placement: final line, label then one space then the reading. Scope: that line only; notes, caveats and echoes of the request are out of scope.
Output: 1:05
